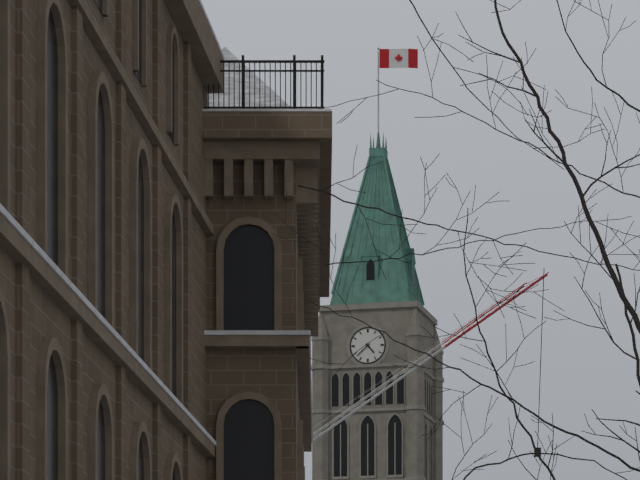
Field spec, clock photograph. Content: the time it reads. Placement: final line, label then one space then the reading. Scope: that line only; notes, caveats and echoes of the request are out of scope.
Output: 4:38
